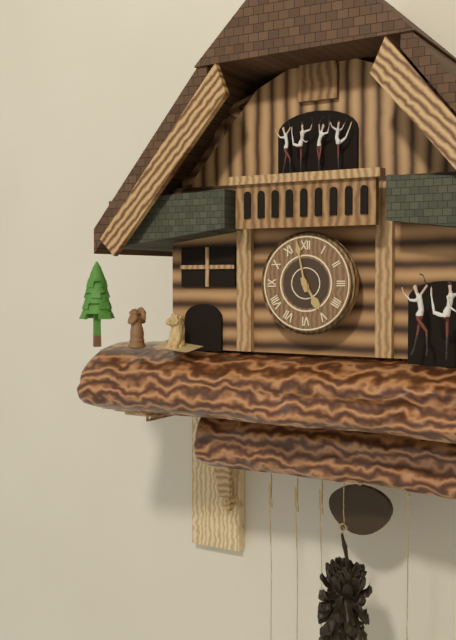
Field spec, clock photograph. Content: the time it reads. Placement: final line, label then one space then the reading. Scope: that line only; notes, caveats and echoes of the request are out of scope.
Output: 4:58
